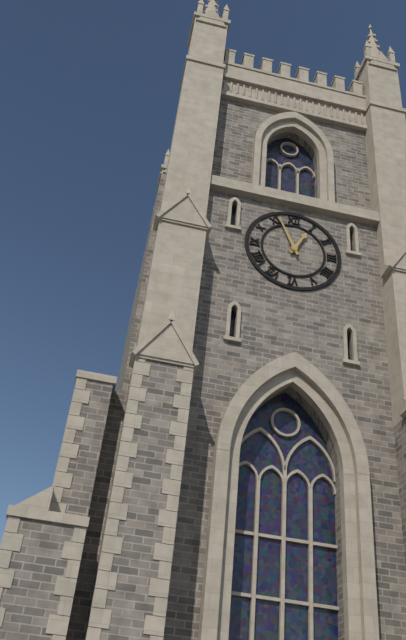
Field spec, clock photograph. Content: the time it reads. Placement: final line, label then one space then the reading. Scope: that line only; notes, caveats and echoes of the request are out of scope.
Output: 12:56
